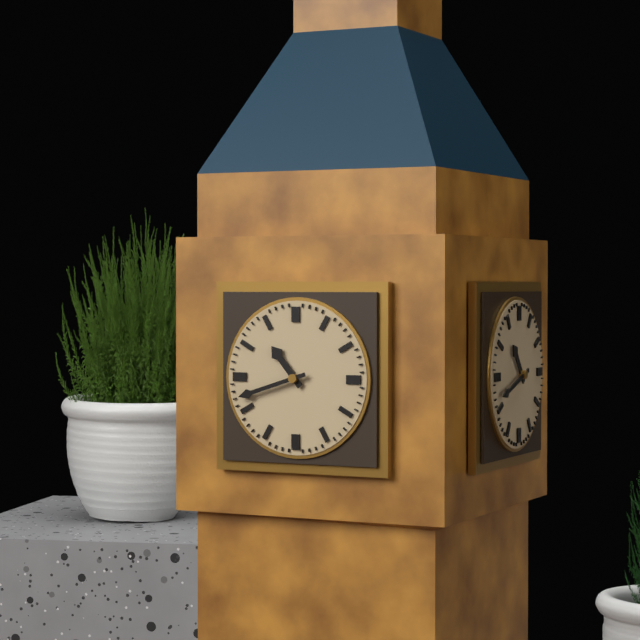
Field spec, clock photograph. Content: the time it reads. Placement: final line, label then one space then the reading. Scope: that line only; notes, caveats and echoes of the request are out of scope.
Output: 10:42
